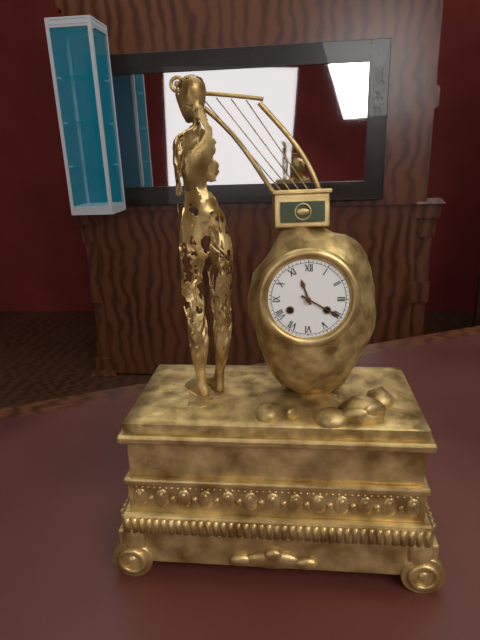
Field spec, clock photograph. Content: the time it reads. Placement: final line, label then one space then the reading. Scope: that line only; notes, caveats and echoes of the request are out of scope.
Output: 11:20
